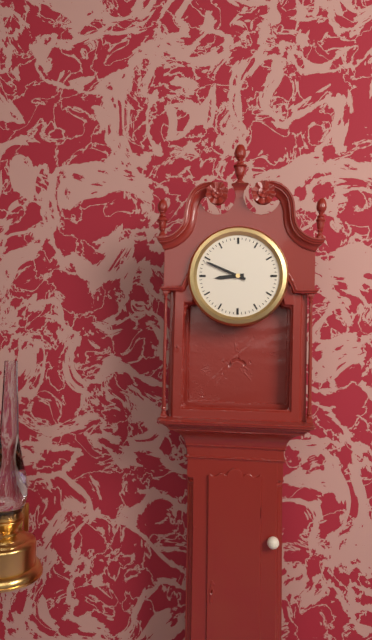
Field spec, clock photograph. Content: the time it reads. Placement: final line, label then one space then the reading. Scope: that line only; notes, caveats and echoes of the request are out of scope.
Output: 8:49
